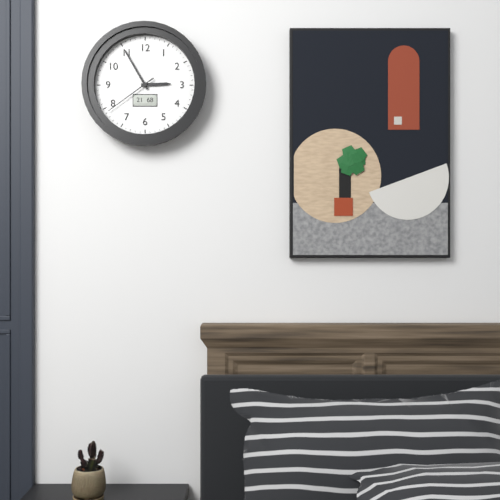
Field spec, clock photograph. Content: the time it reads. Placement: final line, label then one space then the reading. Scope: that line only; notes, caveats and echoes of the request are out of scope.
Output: 2:55:39
